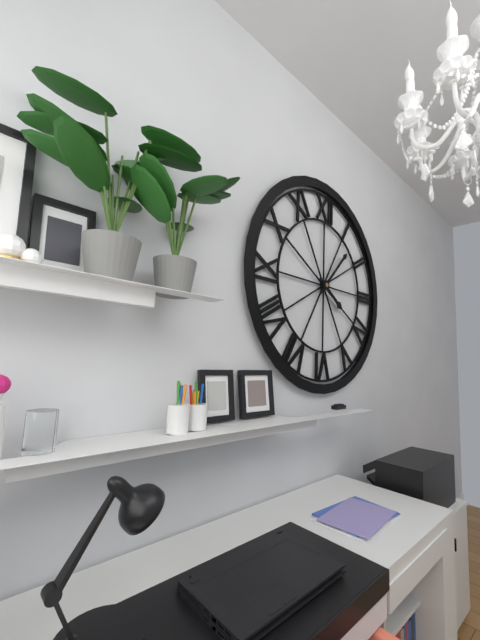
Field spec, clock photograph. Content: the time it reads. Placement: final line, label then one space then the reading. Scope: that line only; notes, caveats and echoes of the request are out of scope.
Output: 4:07
